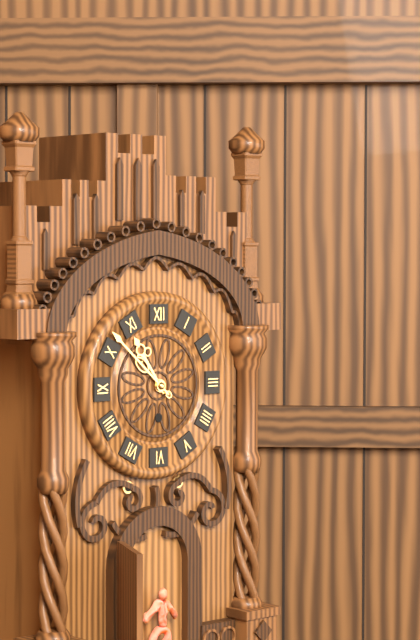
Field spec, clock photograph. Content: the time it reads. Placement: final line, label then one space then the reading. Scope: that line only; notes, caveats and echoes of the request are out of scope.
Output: 10:52
